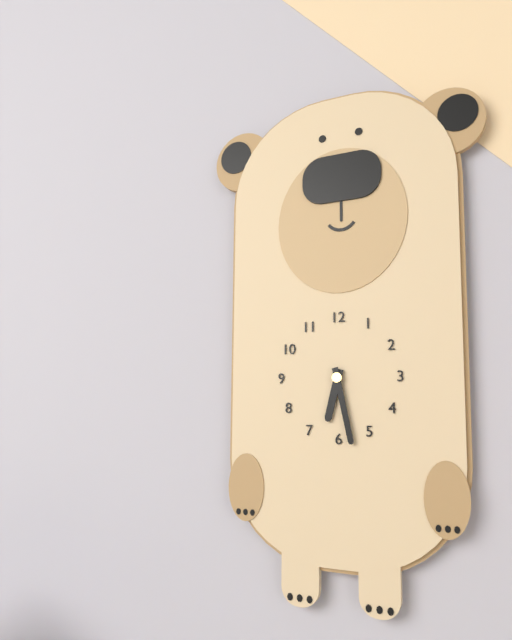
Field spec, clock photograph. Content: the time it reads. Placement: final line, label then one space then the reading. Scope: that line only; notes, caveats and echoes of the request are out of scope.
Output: 6:28
